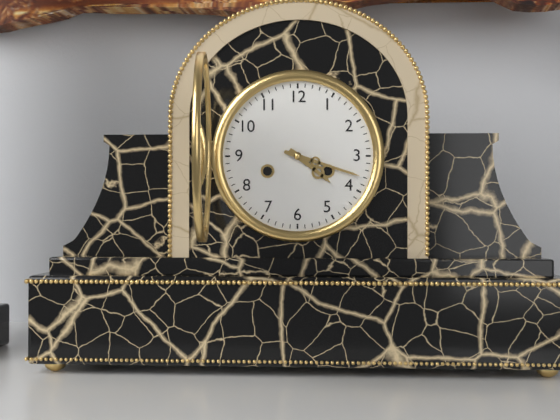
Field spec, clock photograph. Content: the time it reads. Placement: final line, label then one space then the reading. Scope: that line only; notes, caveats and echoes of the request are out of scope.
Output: 4:18
